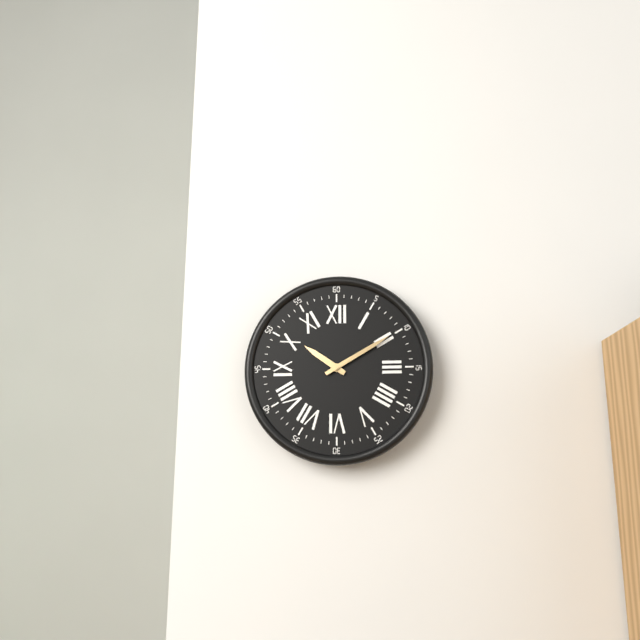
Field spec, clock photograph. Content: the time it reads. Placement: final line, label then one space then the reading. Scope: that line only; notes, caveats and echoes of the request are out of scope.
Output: 10:10
